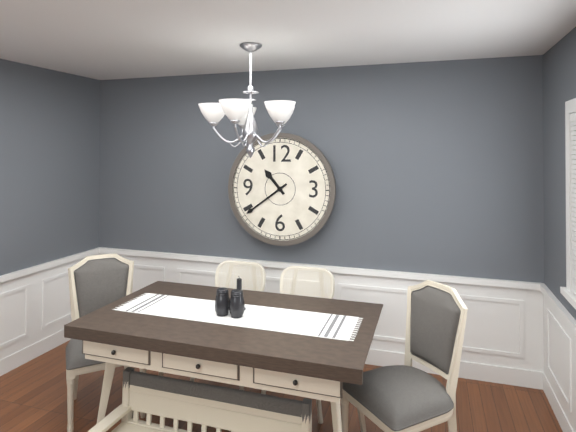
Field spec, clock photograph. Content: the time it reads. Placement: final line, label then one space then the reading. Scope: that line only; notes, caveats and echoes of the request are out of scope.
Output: 10:39
